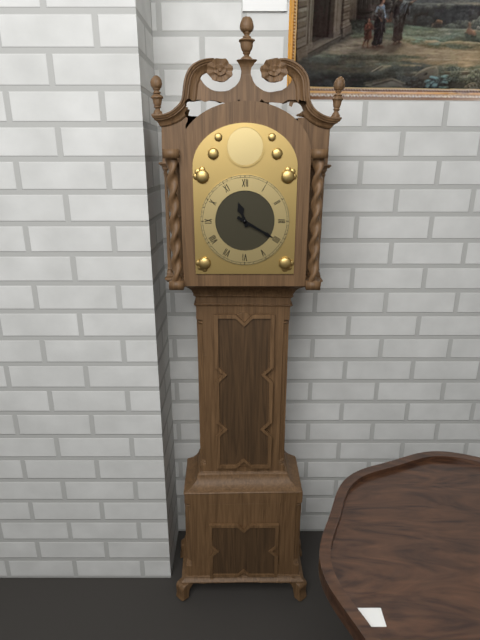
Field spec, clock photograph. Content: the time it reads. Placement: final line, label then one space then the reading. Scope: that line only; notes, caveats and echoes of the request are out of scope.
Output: 11:20
